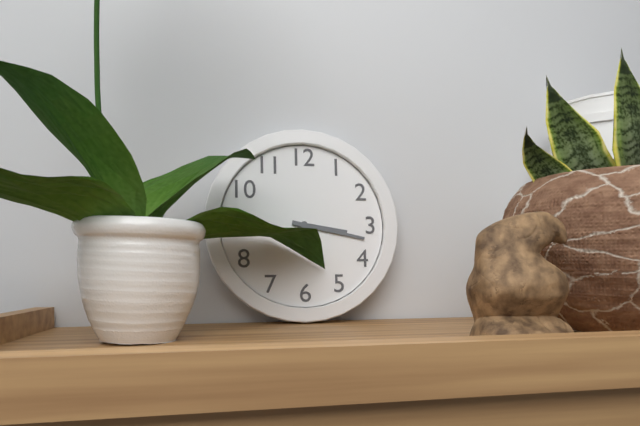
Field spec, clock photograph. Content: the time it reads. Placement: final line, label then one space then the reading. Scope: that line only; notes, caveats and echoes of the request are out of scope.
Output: 3:17
